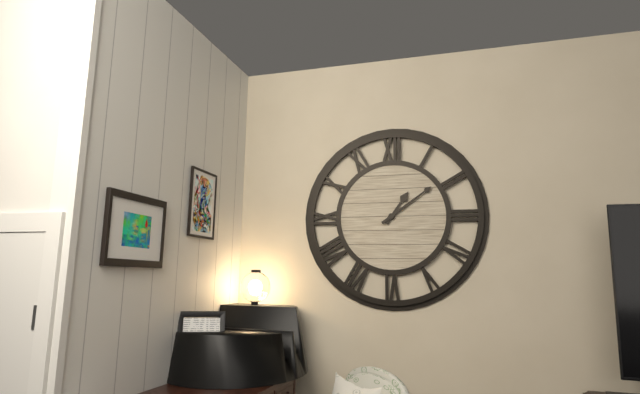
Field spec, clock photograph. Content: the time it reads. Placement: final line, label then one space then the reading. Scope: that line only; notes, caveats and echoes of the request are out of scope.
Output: 1:09
